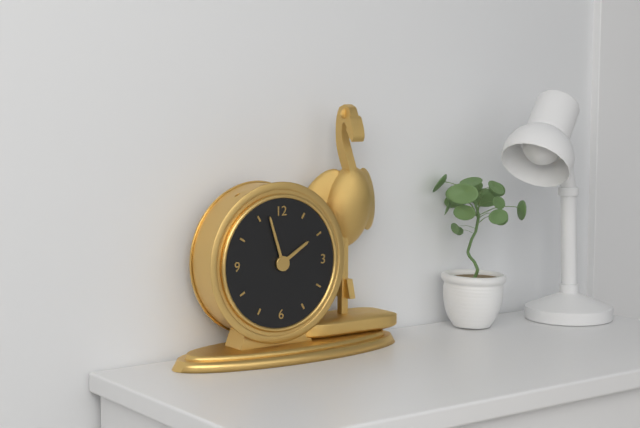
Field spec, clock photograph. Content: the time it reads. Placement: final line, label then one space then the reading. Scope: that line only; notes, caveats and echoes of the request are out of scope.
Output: 1:57
